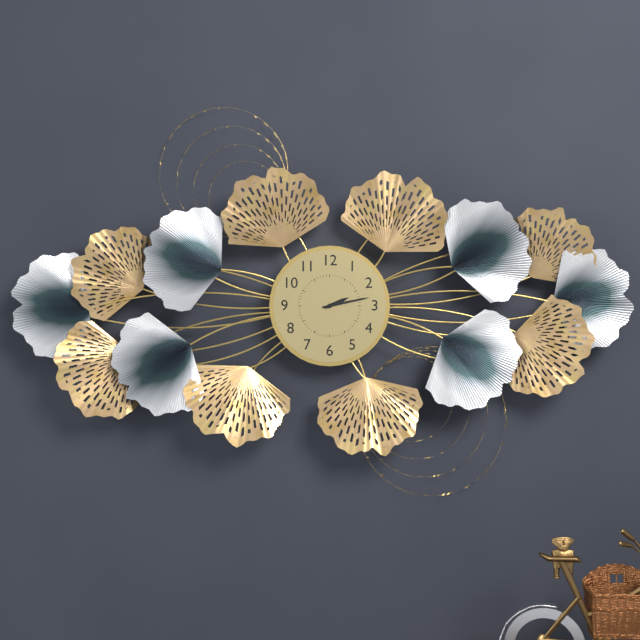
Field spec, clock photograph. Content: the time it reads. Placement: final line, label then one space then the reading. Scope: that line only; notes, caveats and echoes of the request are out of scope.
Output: 2:13
